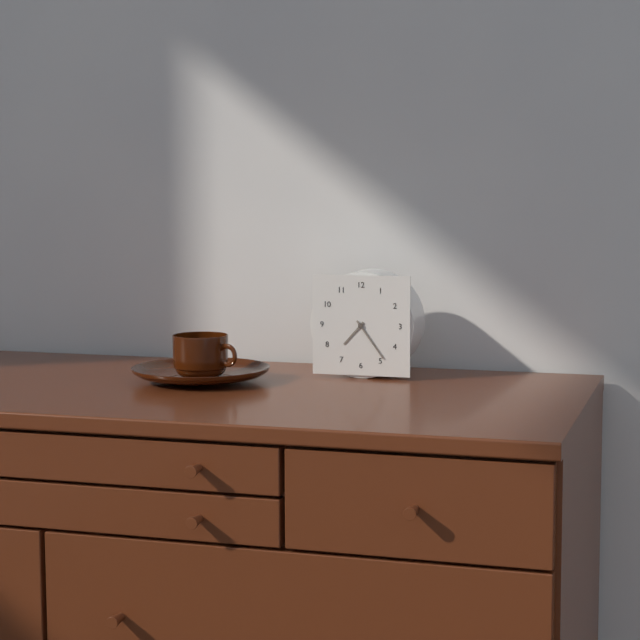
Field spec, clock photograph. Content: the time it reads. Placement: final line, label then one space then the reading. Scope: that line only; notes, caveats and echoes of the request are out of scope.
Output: 7:24
